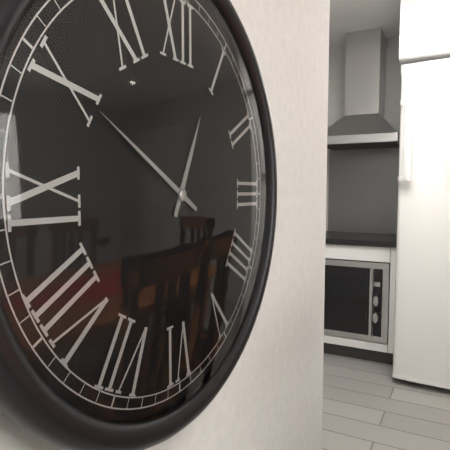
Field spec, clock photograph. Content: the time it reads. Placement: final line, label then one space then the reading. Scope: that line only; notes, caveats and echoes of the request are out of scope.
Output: 12:50
